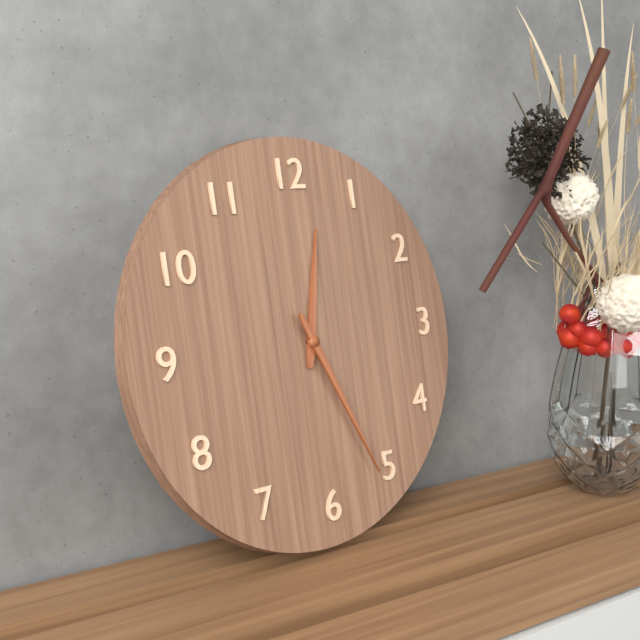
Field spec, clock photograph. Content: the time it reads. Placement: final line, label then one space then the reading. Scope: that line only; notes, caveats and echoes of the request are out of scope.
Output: 12:26
